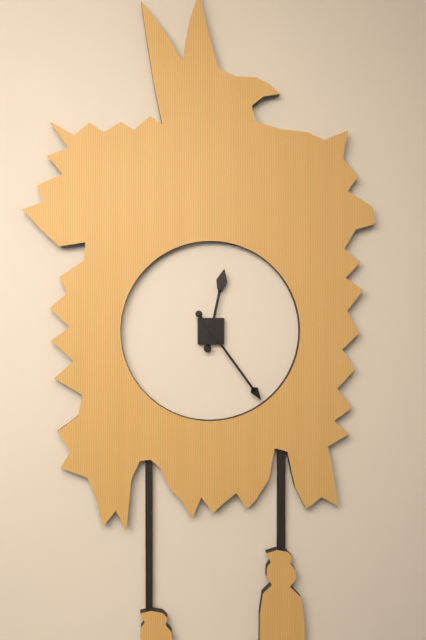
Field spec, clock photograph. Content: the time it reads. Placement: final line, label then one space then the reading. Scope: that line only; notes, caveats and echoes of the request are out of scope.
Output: 12:24
